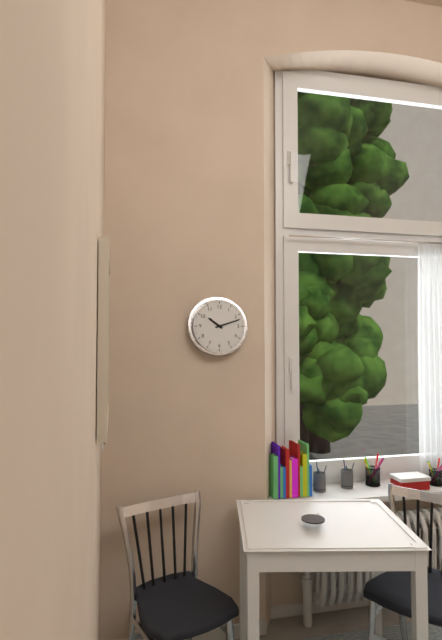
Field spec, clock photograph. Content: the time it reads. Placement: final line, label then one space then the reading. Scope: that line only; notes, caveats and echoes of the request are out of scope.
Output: 10:12
